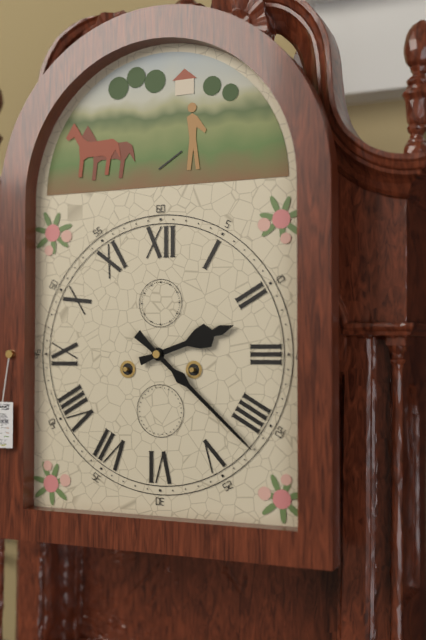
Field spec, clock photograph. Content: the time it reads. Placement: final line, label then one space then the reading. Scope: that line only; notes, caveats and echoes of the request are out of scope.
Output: 2:22
